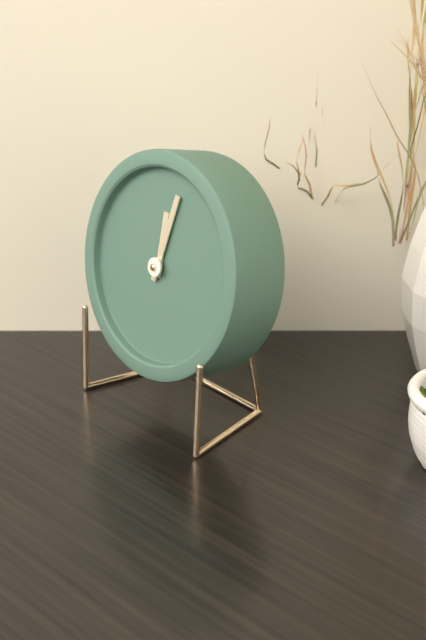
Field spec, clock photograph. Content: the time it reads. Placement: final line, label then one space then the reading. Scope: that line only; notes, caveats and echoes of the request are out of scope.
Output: 12:02
